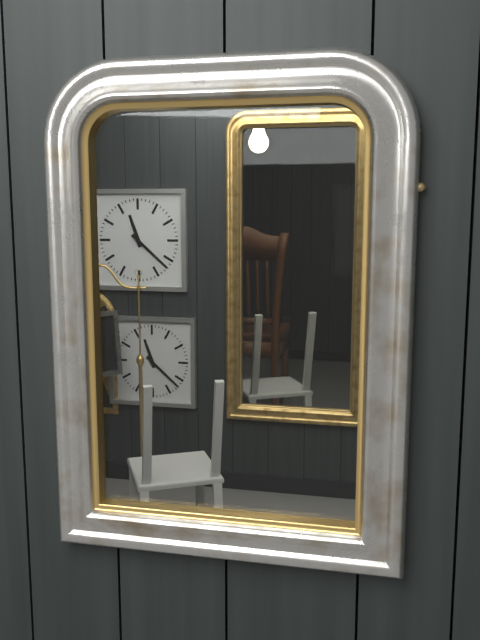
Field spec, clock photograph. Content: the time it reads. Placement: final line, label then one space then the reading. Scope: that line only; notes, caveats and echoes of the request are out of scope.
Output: 11:22
